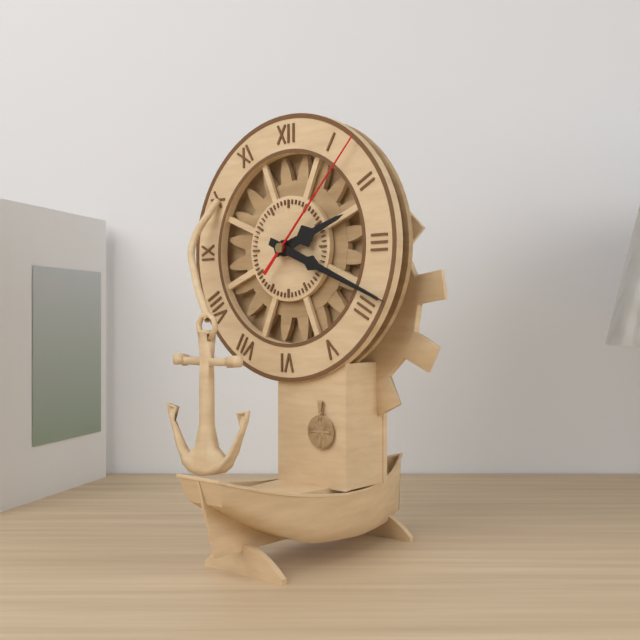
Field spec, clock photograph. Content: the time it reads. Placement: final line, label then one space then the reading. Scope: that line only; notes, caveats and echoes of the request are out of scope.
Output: 2:19:07
